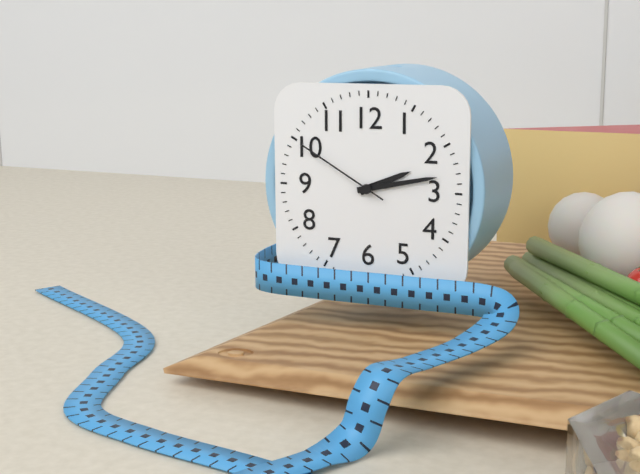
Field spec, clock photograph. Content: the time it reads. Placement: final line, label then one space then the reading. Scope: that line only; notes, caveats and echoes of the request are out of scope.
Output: 2:13:50
